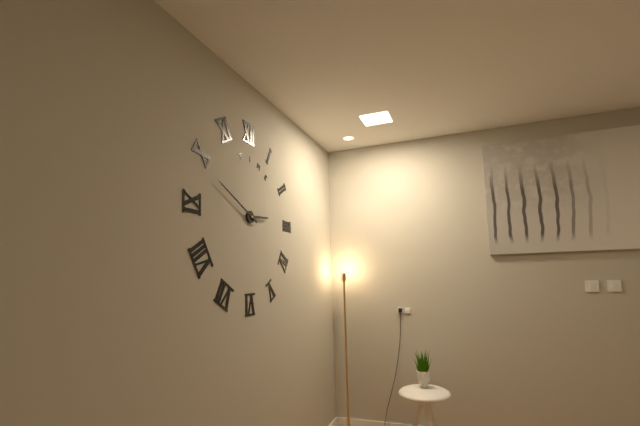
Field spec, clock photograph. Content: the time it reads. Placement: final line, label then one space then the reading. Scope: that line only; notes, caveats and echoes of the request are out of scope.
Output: 2:49
